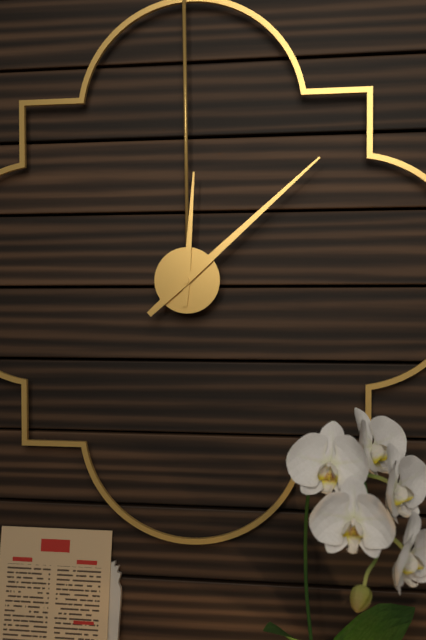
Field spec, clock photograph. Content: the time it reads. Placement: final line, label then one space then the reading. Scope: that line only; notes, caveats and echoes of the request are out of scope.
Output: 12:08
